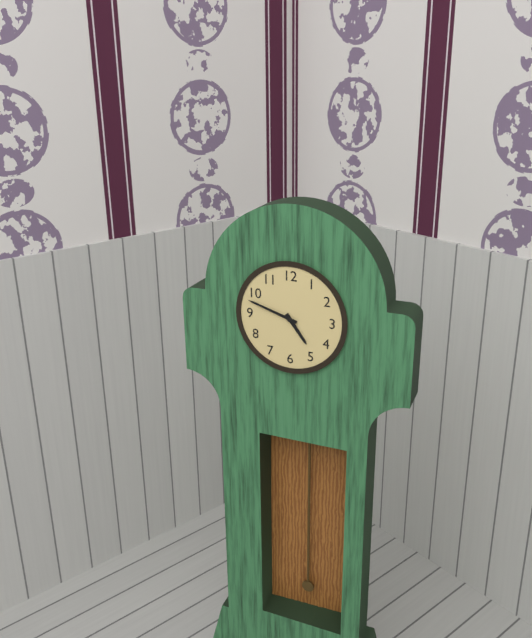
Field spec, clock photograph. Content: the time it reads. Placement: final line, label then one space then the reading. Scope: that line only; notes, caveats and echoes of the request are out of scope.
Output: 4:48
